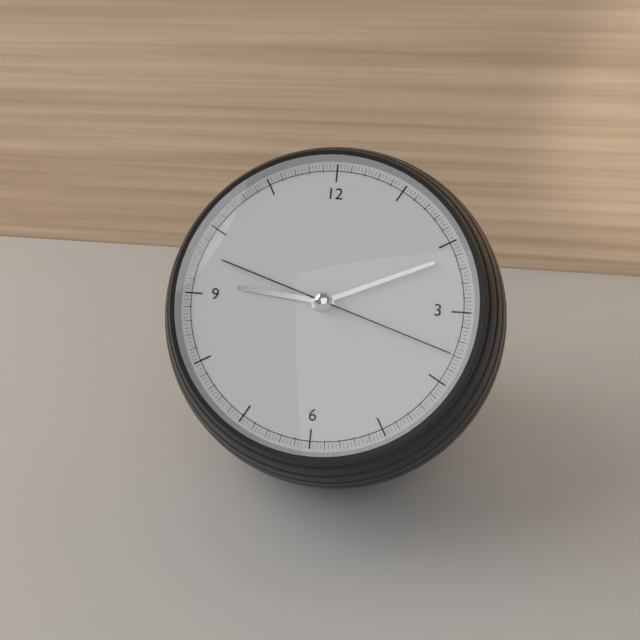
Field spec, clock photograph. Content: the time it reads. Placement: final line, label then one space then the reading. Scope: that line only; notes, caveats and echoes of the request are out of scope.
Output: 9:11:18
